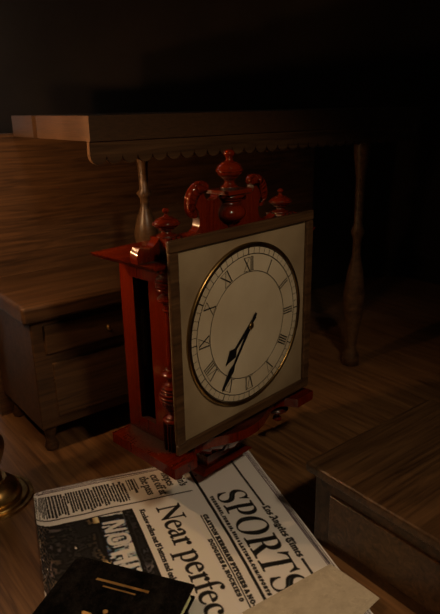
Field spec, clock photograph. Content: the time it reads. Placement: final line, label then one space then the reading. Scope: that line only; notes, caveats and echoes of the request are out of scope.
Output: 7:36
